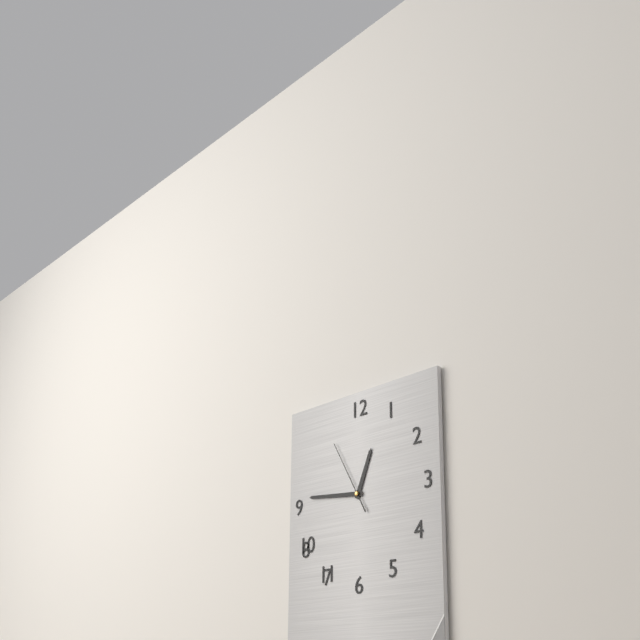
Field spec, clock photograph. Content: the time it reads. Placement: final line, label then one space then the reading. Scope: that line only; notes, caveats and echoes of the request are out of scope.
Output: 12:46:55
